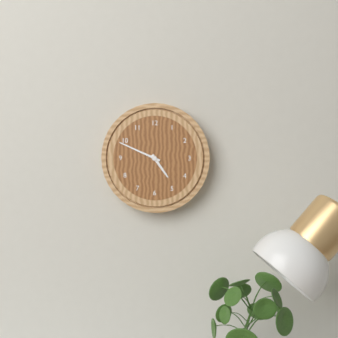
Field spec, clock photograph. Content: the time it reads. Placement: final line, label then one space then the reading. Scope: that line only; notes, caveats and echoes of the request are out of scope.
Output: 4:49
